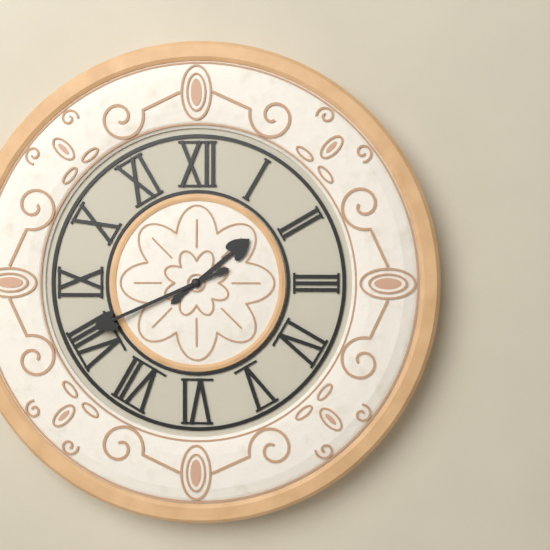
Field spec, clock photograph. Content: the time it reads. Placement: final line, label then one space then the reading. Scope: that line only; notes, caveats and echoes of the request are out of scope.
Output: 1:41
